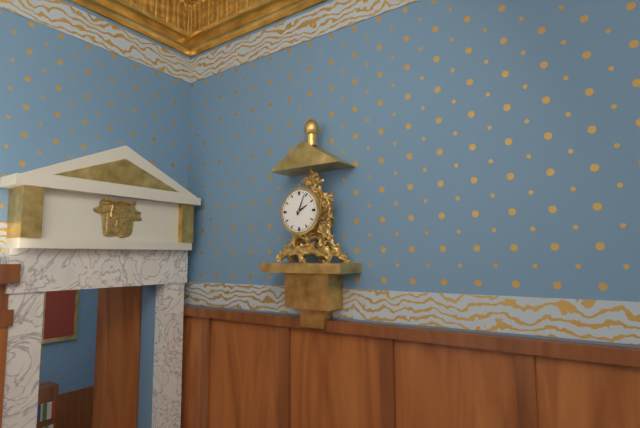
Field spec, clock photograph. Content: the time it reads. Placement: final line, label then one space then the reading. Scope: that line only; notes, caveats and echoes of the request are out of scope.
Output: 2:04
